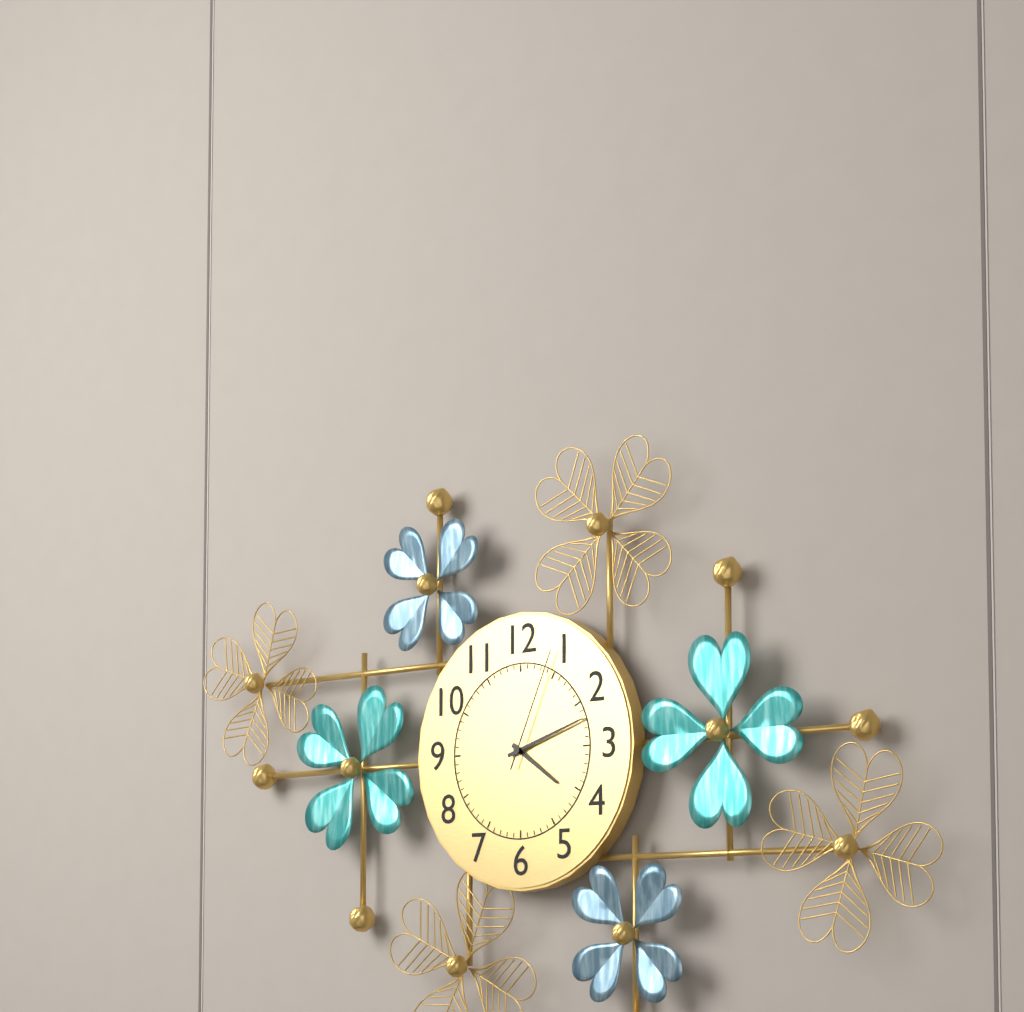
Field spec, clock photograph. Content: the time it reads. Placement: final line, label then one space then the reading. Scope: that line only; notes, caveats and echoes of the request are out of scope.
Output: 4:12:04
